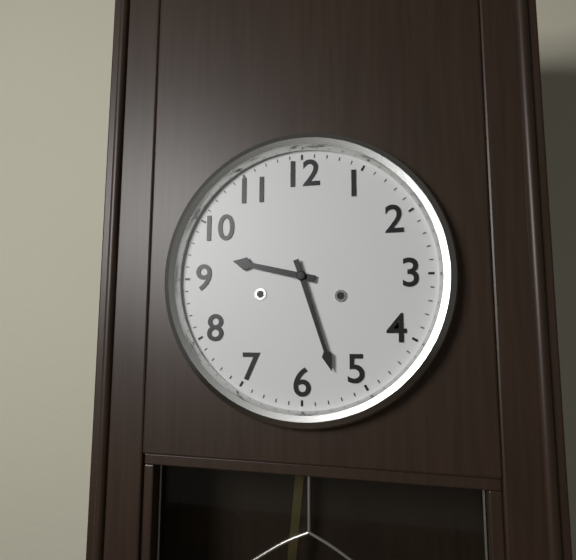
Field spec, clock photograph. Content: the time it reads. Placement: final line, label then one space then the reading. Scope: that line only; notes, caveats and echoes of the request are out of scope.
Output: 9:27
